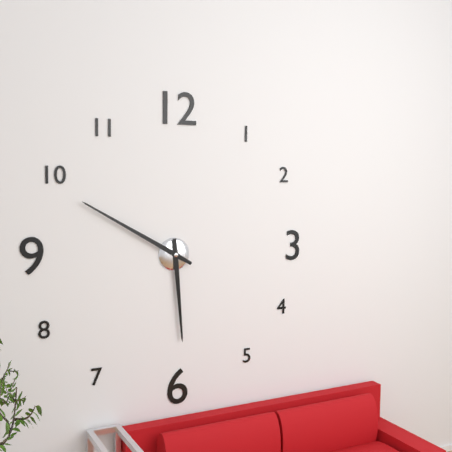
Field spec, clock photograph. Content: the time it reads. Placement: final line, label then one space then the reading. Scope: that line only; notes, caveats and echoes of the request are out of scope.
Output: 5:50
